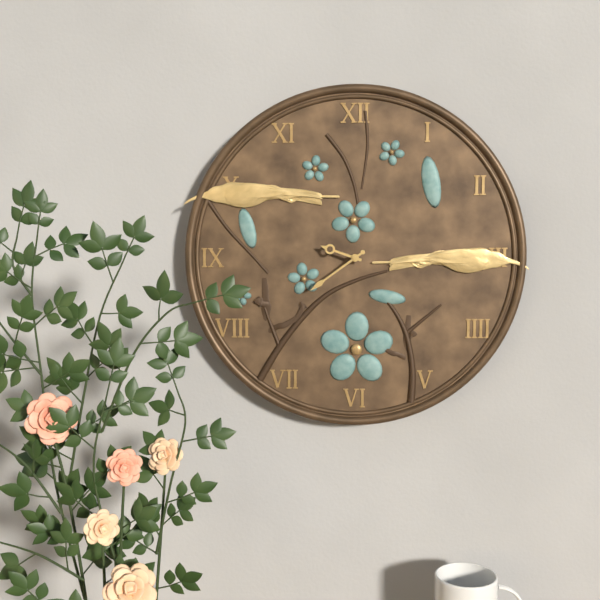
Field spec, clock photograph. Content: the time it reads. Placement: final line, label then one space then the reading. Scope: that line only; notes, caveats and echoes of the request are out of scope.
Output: 9:39
